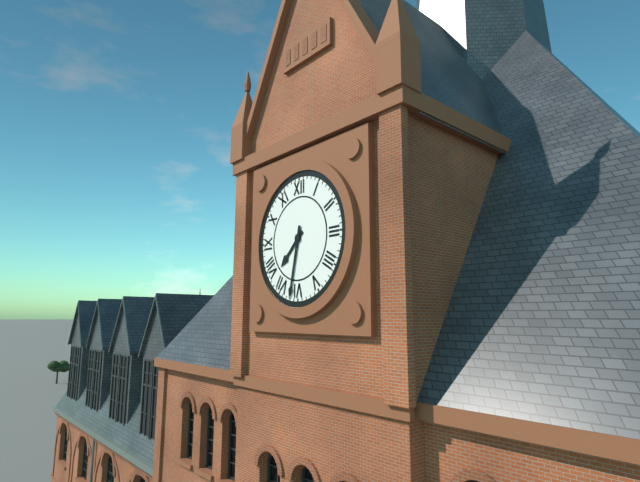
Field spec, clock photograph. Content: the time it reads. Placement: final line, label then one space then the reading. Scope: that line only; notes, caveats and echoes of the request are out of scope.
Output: 7:32
